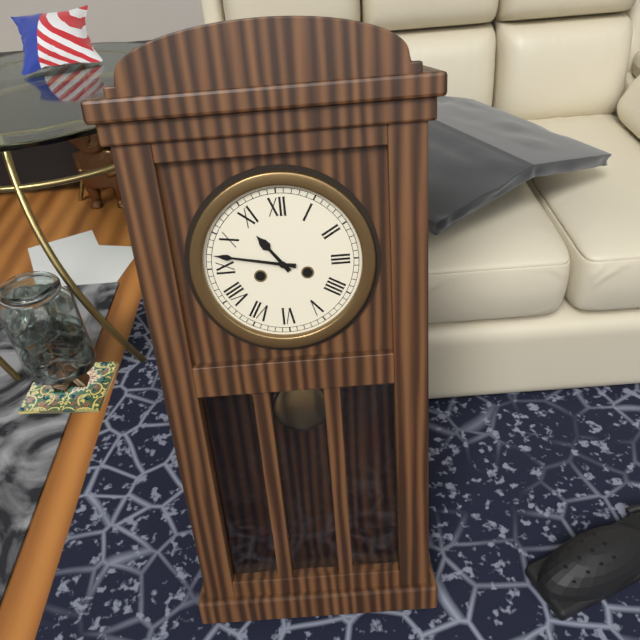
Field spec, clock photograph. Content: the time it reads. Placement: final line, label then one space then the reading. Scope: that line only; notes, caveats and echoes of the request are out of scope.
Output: 10:47
